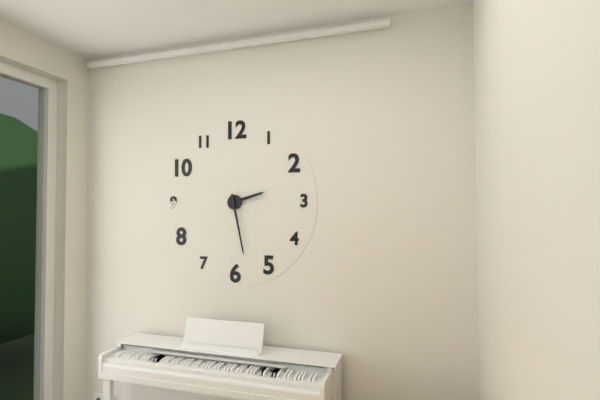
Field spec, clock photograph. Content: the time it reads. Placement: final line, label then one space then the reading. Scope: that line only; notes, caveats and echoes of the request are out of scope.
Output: 2:28
